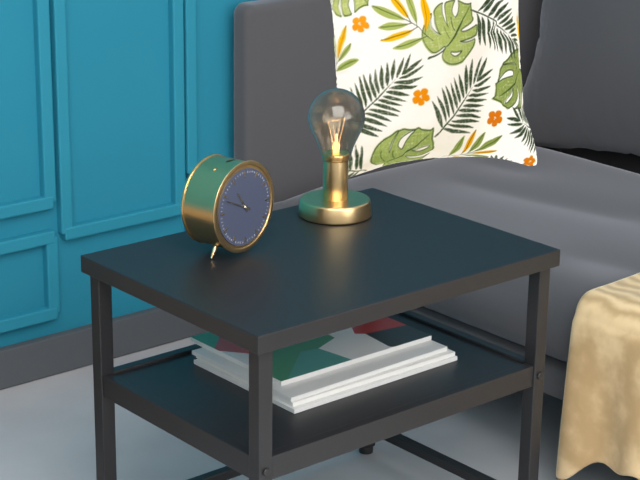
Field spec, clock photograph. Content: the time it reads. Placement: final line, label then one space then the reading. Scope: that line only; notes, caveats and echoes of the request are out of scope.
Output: 10:49
